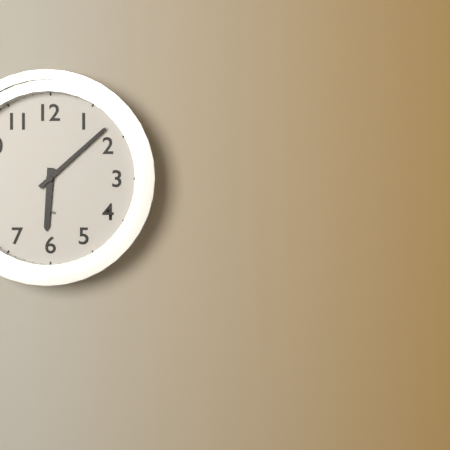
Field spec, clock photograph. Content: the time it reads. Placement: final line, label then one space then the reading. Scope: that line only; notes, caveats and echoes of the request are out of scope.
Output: 6:08
